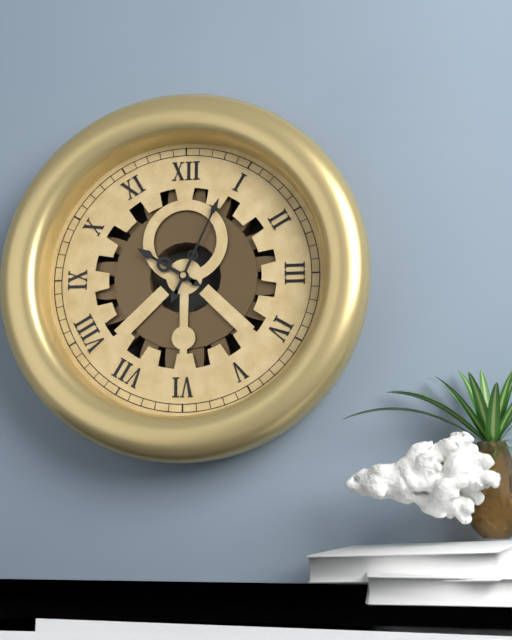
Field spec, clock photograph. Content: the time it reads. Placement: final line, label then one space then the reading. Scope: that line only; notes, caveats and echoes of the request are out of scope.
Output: 10:04
